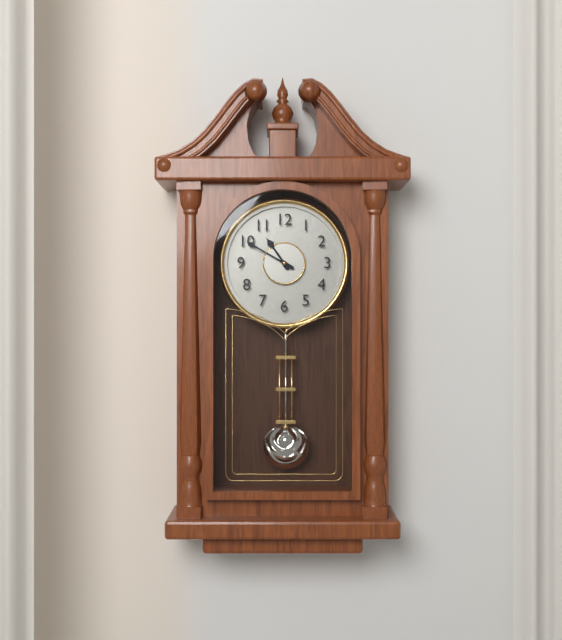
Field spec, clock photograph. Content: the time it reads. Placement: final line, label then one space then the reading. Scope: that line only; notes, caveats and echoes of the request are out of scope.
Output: 10:50
